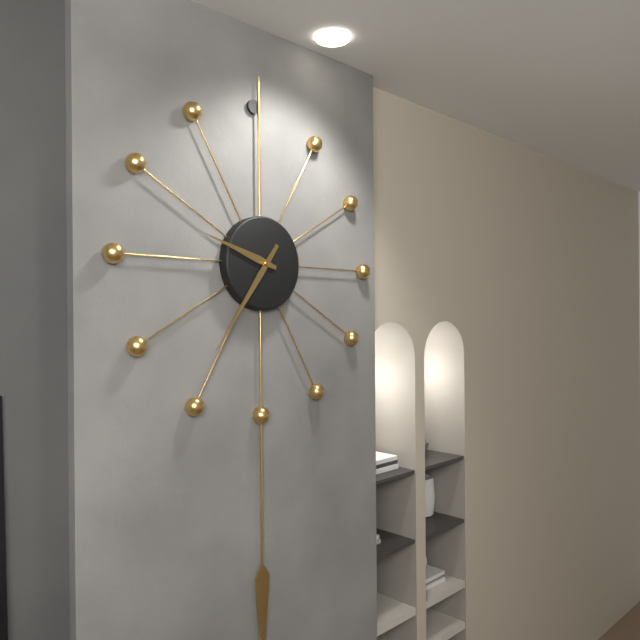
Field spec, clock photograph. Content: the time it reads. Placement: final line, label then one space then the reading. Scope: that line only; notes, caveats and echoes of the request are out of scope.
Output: 9:36
